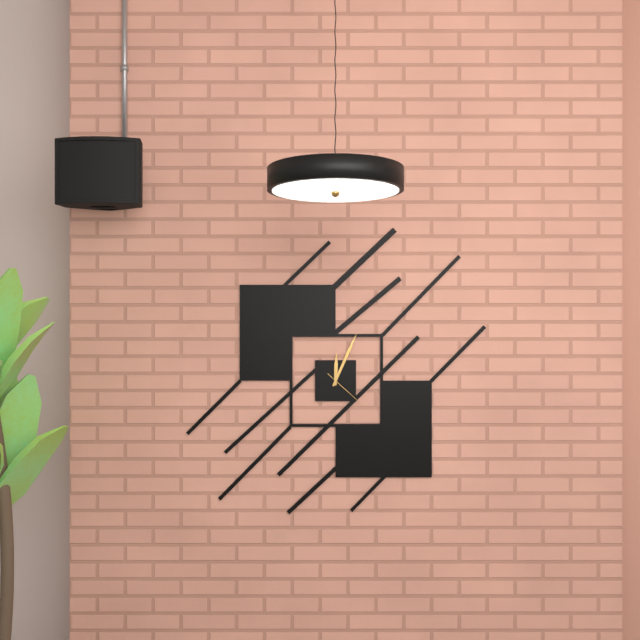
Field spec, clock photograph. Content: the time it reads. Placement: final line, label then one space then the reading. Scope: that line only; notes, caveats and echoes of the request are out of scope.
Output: 12:04
